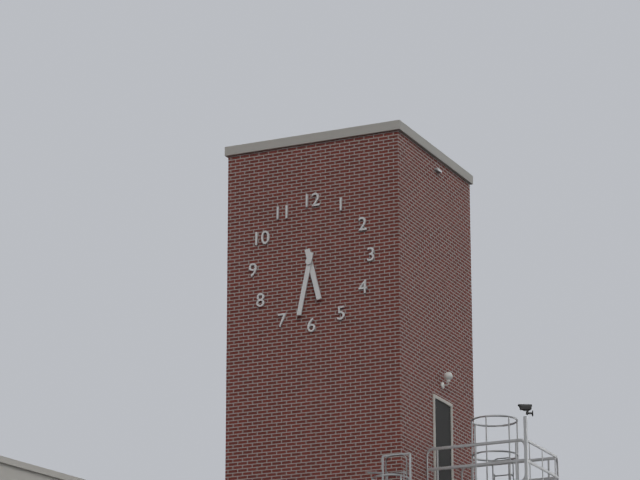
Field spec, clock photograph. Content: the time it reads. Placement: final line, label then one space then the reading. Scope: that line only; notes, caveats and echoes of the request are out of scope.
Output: 5:32
